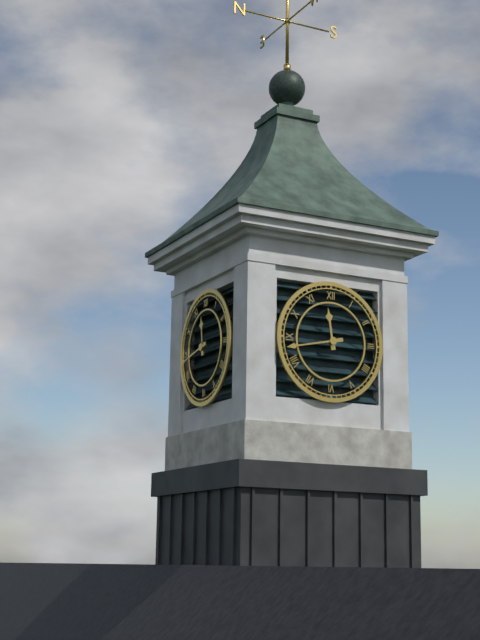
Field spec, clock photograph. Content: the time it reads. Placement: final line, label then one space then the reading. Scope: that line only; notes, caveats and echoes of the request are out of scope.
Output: 11:43
